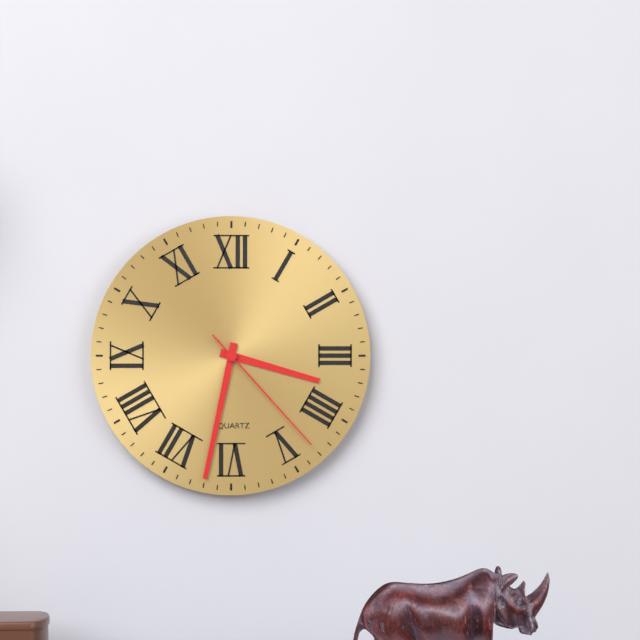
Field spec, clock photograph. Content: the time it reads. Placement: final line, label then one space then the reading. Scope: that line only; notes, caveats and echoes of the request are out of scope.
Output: 3:32:23
